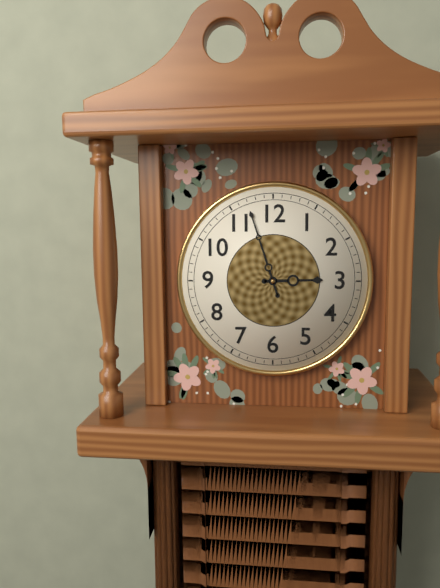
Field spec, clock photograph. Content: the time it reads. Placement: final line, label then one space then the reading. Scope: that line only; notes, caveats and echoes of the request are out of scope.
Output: 2:57
